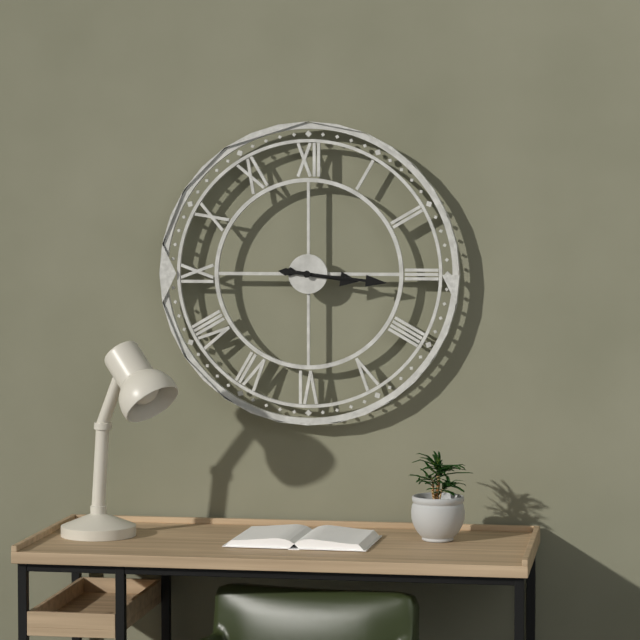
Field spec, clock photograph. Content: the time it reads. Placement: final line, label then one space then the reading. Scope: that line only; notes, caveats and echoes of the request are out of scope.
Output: 3:16
